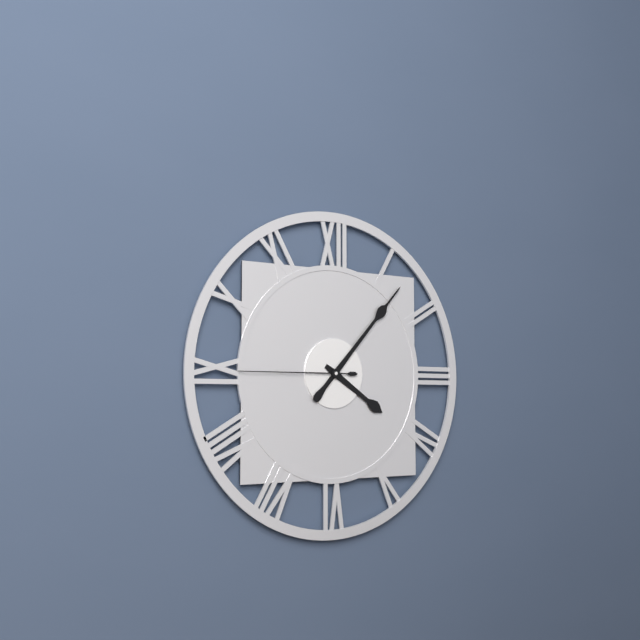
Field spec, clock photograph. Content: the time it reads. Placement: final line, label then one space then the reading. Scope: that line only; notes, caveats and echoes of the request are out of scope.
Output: 4:07:45
